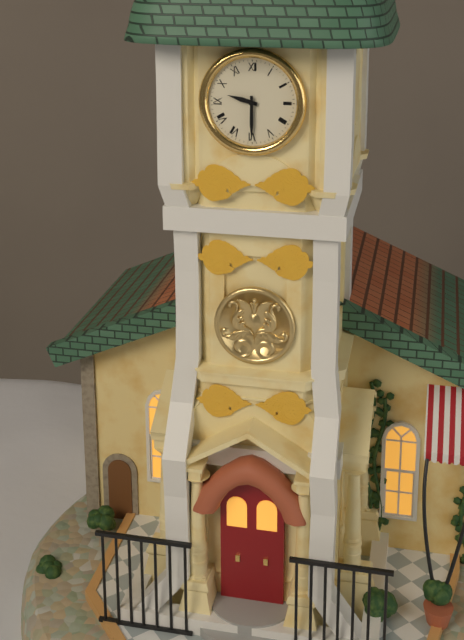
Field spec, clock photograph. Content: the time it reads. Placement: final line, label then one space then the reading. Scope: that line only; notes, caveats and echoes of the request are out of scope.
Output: 9:30
